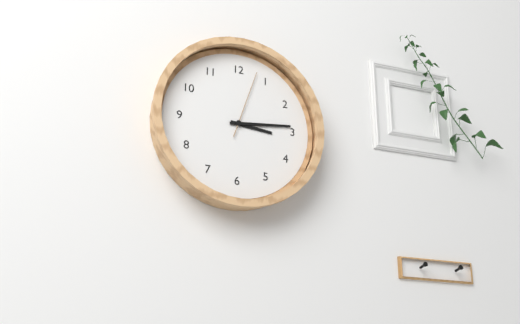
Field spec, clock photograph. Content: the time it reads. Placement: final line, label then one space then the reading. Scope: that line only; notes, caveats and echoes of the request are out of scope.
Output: 3:14:03
